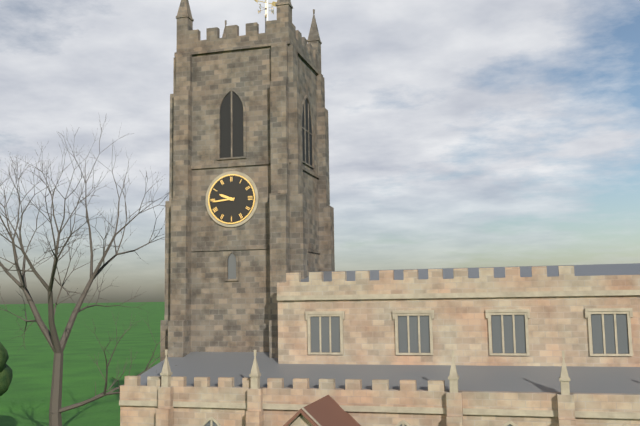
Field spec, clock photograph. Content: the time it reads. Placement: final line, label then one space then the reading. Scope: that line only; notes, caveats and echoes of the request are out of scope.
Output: 9:44
